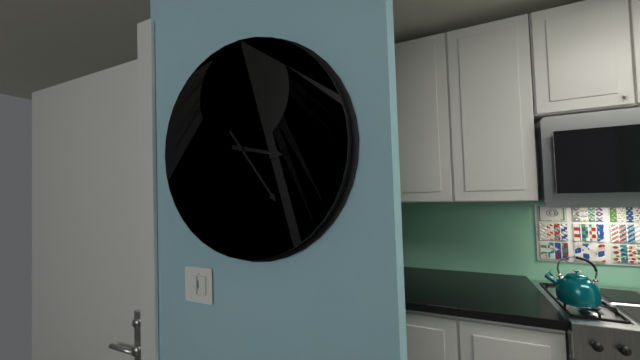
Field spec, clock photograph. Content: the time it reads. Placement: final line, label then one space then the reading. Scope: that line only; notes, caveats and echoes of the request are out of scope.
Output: 3:24
